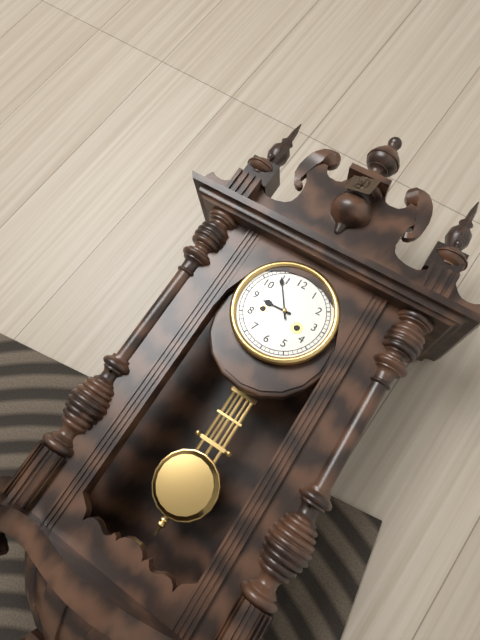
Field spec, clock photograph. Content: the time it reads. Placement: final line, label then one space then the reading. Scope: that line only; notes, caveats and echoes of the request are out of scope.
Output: 8:54
